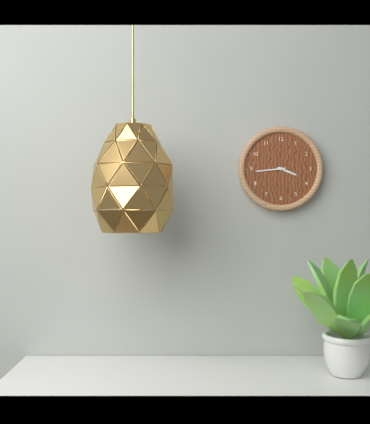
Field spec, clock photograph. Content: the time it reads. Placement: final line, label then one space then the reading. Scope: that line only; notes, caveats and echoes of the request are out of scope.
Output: 3:44
